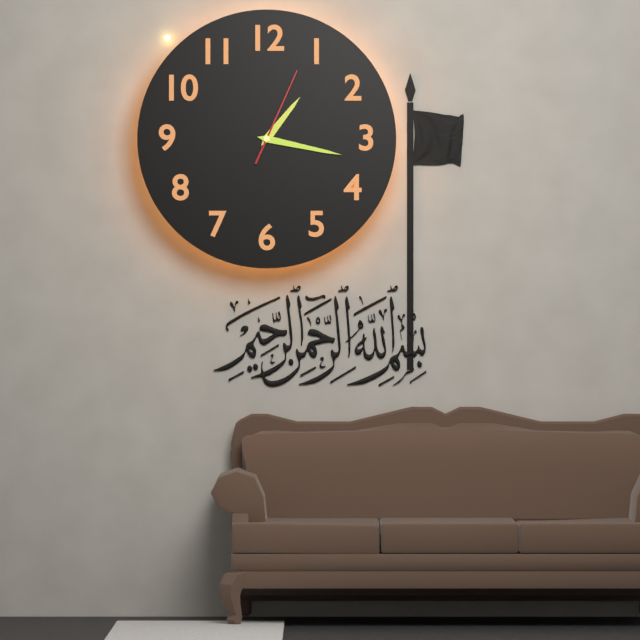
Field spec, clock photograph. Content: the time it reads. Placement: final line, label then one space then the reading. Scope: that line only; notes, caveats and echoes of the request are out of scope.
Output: 1:17:04
